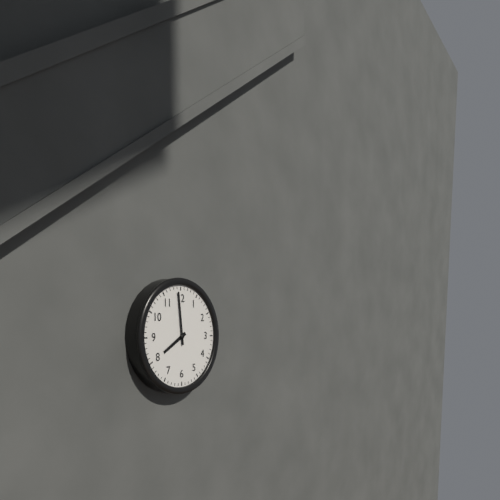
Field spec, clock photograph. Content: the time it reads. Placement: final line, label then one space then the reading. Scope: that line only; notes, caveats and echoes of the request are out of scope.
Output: 7:59
